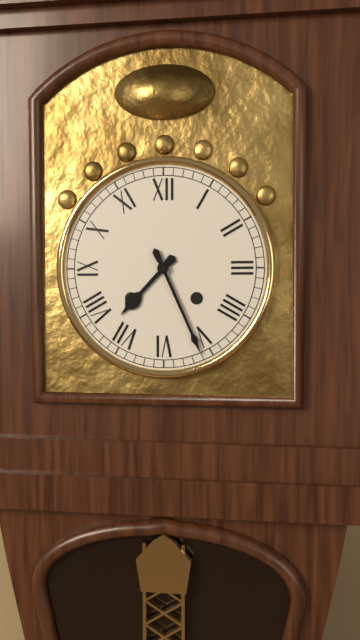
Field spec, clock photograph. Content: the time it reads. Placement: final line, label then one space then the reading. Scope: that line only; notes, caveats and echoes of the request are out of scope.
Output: 7:26
